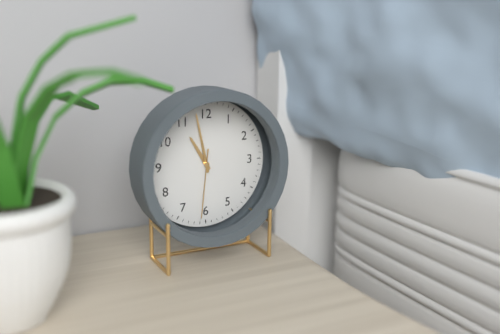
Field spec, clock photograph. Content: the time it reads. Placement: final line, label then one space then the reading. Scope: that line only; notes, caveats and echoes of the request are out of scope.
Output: 10:58:31
